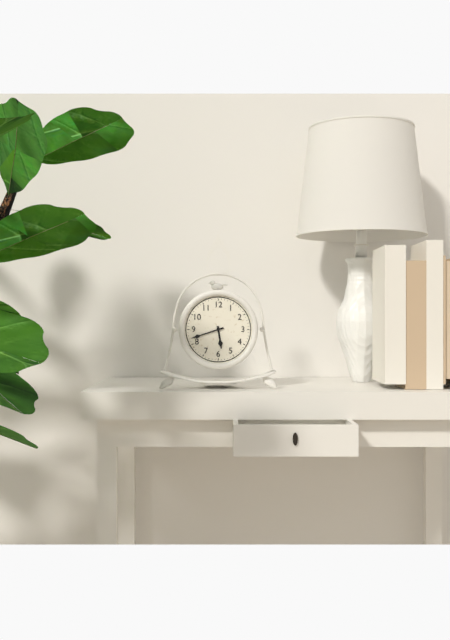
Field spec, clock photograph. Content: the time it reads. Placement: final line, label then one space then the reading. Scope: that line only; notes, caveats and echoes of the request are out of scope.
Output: 5:42
